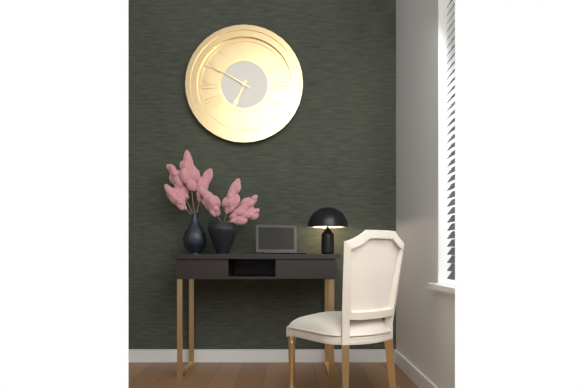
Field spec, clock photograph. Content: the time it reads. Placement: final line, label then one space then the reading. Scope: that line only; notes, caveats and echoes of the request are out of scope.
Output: 6:50
